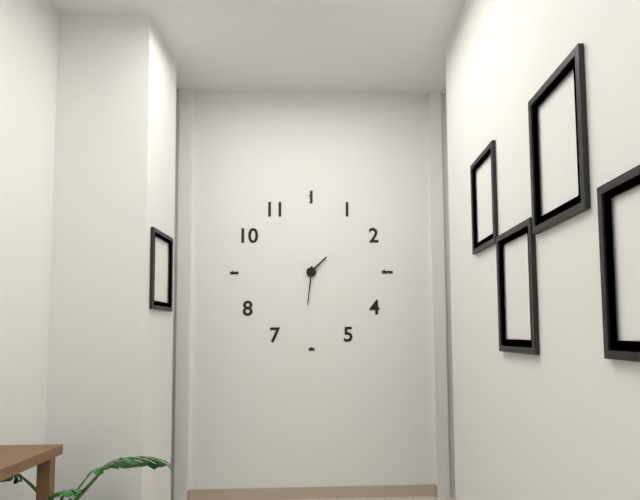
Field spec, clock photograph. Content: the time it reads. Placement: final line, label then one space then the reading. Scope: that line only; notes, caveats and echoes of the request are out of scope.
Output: 1:31
